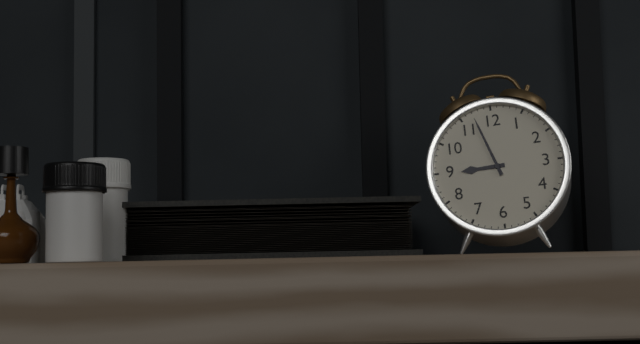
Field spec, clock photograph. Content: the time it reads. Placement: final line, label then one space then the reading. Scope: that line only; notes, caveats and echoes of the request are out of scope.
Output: 8:57
